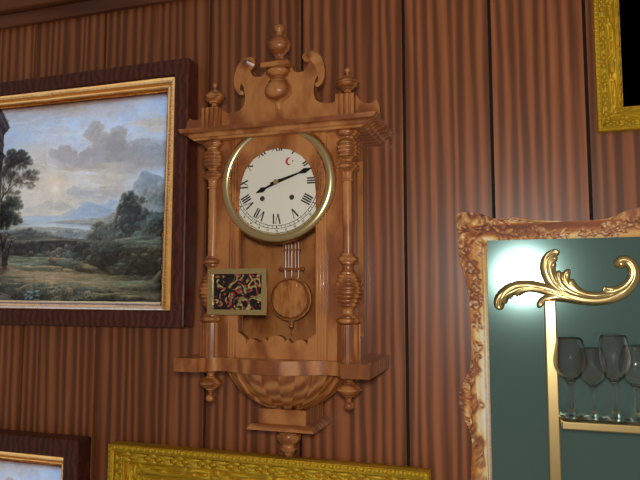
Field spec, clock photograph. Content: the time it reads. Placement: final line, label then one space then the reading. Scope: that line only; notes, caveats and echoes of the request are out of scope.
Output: 8:12
